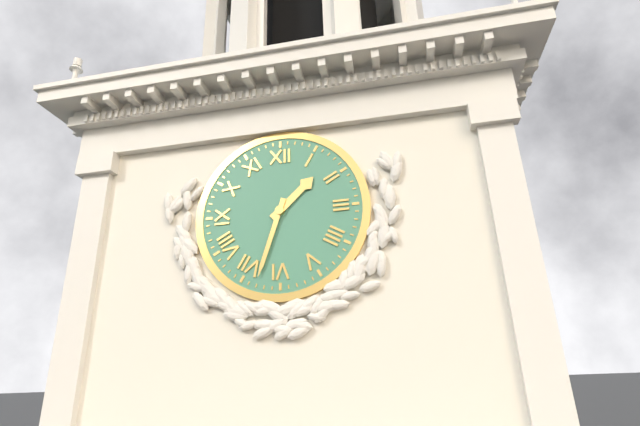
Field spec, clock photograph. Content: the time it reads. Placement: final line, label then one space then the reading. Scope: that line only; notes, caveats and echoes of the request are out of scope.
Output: 1:33
